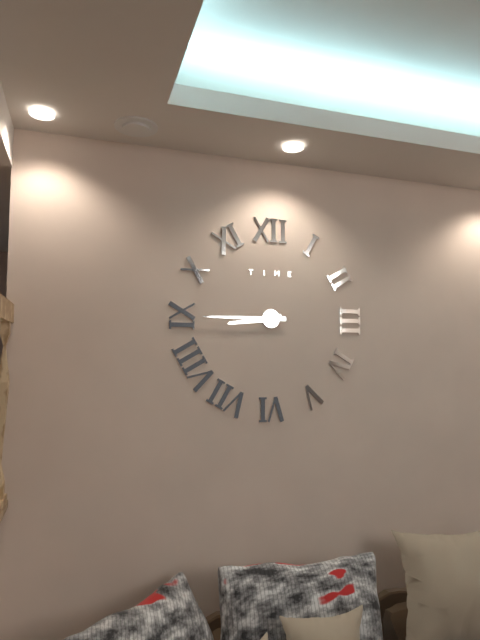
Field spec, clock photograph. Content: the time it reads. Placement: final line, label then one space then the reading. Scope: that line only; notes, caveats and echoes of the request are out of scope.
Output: 8:45
